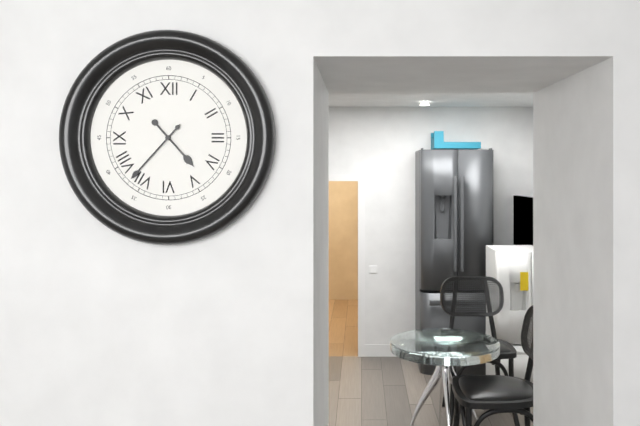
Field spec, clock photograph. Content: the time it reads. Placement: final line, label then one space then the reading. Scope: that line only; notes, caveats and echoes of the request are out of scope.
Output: 4:37
